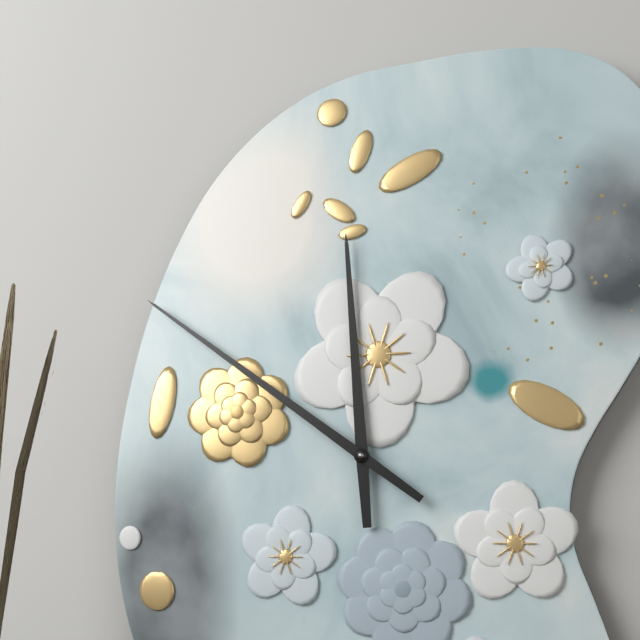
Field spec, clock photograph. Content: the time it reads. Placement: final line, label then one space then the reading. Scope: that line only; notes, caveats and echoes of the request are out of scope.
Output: 11:51
